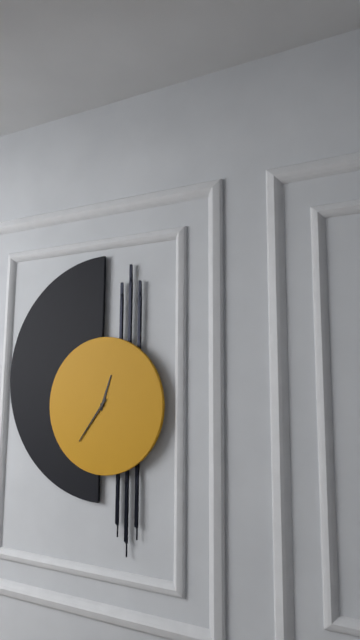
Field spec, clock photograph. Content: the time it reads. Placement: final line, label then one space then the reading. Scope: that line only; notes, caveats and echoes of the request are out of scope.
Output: 12:36
